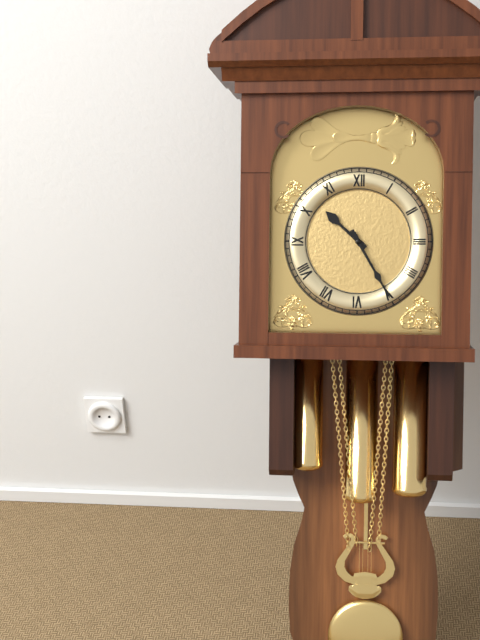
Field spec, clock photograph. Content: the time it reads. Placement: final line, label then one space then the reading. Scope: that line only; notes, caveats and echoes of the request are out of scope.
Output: 10:25
